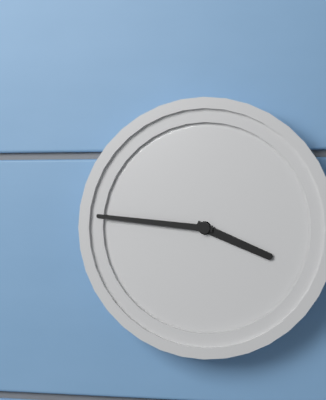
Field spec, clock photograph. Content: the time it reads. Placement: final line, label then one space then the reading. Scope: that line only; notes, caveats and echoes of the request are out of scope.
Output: 3:46
